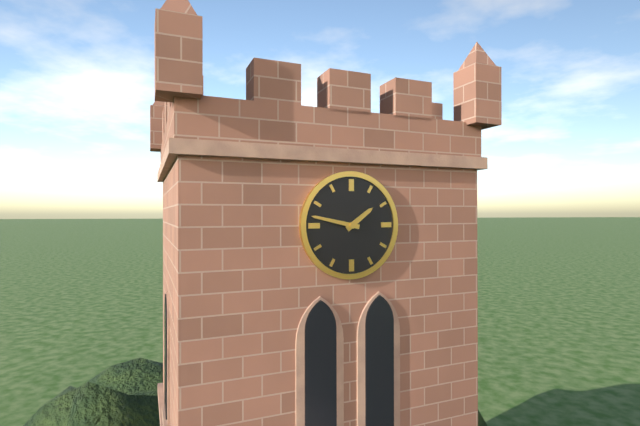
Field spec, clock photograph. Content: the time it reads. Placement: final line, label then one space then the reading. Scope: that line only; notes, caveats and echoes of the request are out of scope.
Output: 1:47
